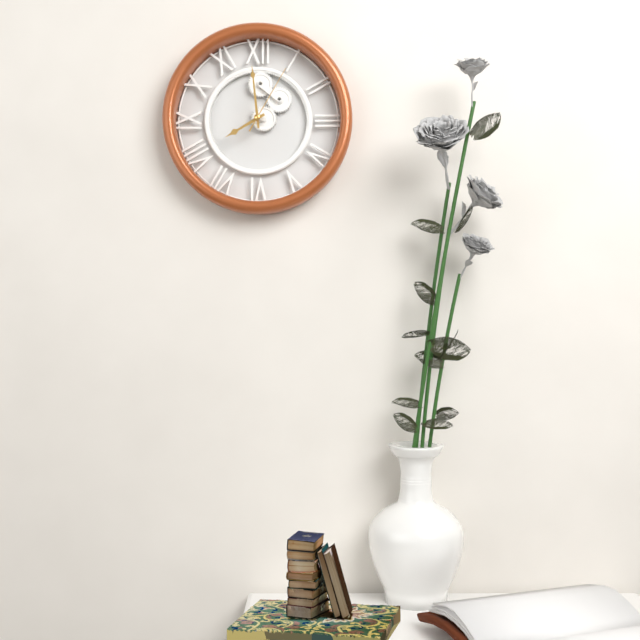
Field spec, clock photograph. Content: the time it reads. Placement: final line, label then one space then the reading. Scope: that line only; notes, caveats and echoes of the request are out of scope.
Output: 7:59:05
